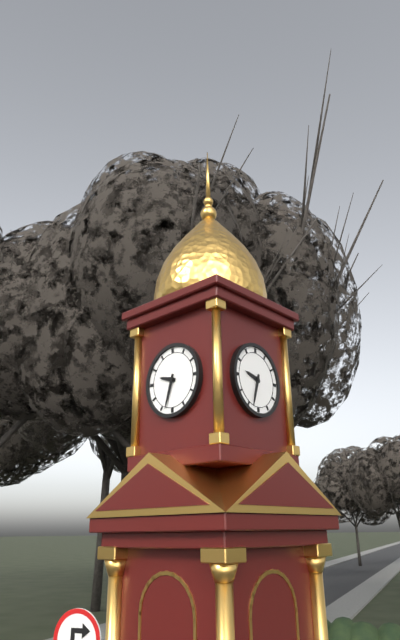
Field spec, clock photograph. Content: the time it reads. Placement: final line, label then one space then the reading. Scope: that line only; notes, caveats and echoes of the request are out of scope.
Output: 9:33
